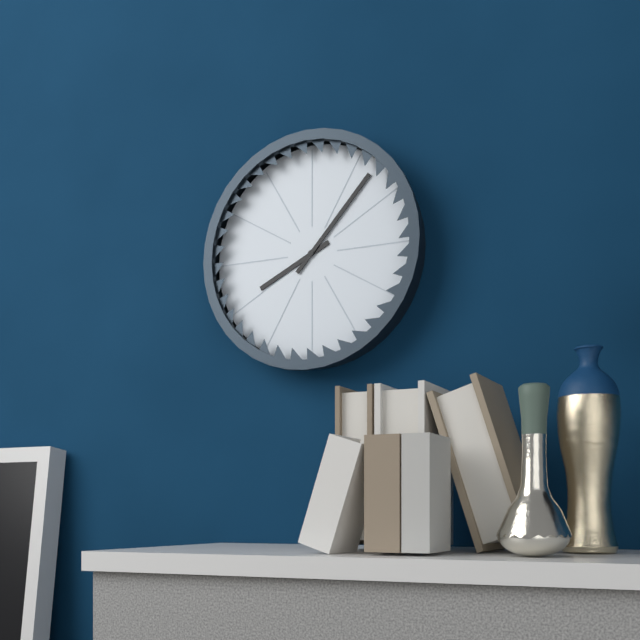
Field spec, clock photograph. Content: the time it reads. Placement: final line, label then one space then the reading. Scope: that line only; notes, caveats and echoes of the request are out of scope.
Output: 8:07
